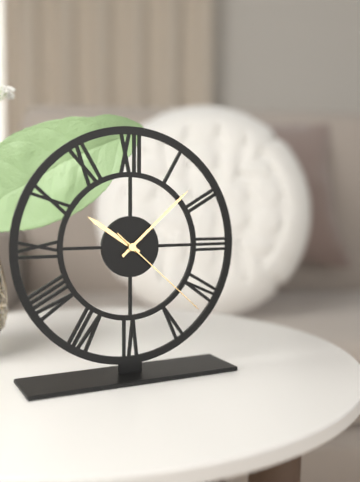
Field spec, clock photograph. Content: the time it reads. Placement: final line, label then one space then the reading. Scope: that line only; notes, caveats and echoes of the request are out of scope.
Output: 10:08:22
